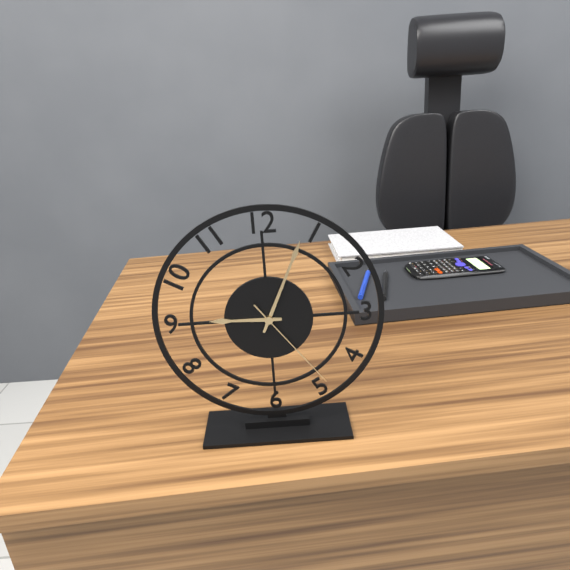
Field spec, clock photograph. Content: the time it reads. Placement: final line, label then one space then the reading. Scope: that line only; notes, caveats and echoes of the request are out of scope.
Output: 9:04:24
